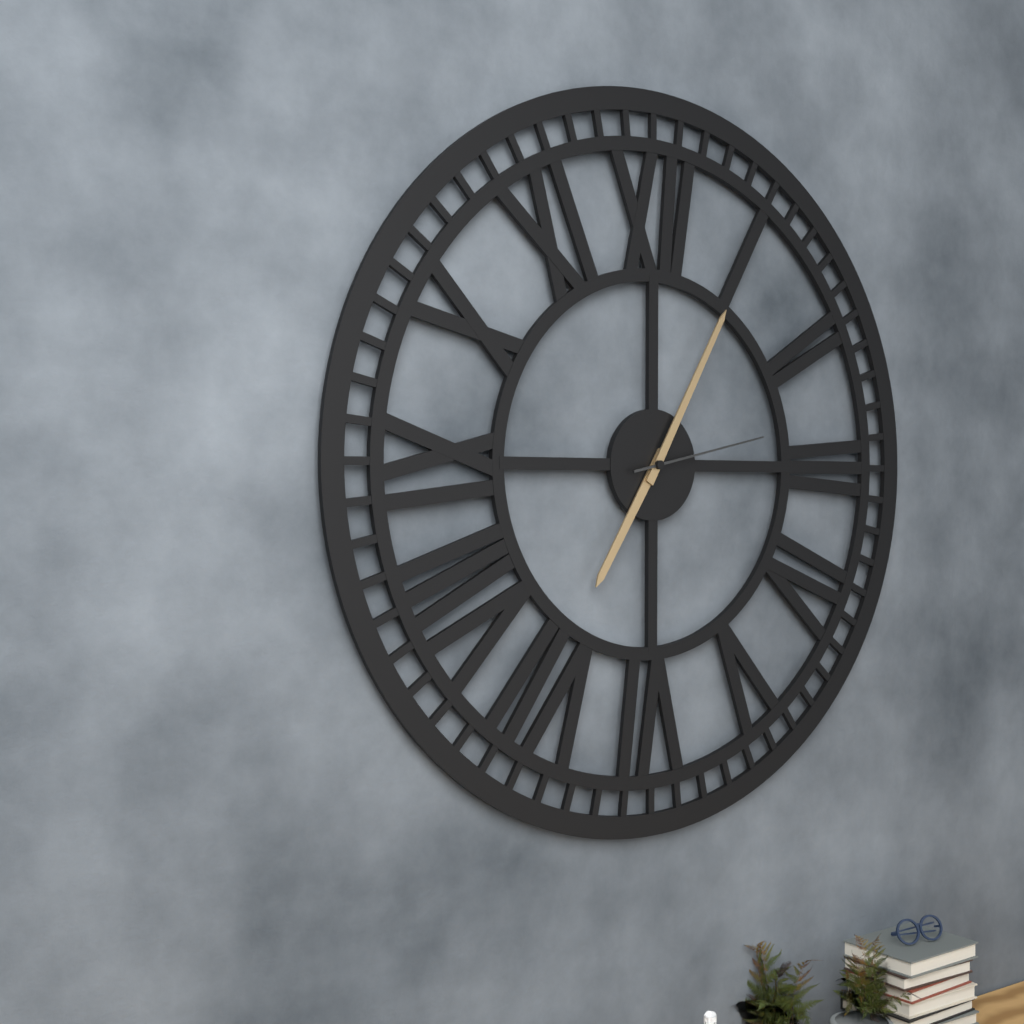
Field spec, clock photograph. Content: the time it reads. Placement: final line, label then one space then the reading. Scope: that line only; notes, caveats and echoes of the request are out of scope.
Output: 7:05:13
